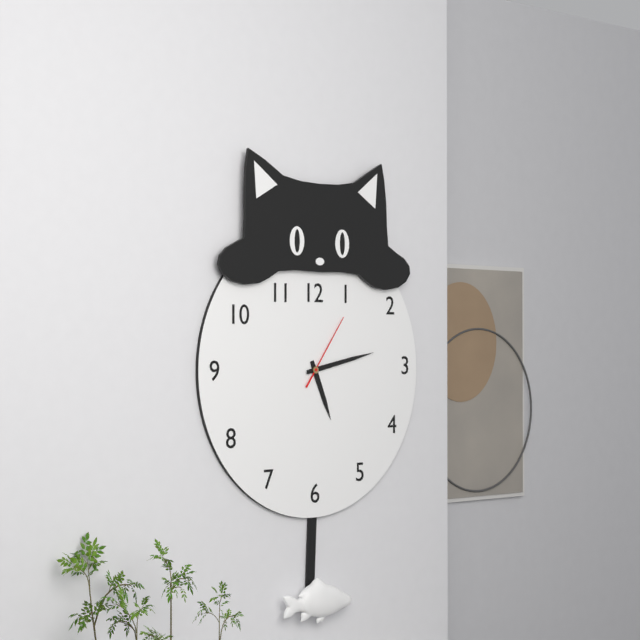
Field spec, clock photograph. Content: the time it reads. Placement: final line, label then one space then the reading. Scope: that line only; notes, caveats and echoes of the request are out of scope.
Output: 5:13:06
